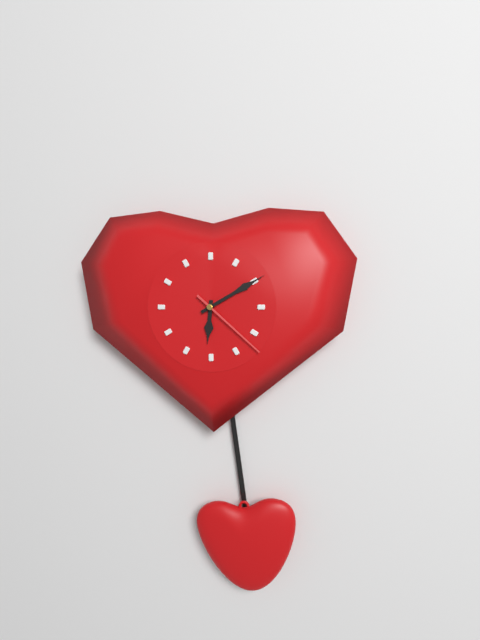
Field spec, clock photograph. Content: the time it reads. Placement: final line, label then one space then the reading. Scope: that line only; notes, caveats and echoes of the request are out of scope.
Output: 6:10:22
